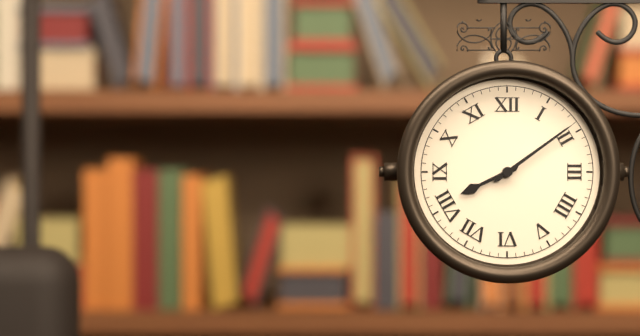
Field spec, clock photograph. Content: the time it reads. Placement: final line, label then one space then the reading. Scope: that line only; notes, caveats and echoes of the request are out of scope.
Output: 8:09
